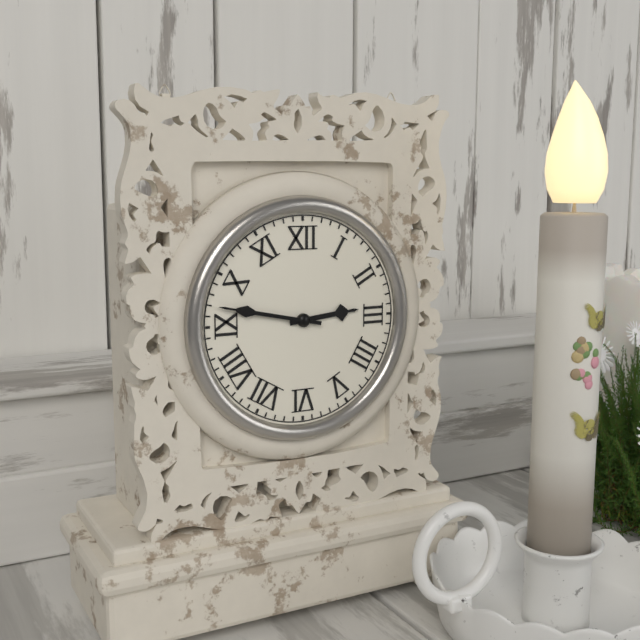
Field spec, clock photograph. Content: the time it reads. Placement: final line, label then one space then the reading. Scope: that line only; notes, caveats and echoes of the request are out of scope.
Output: 2:47
